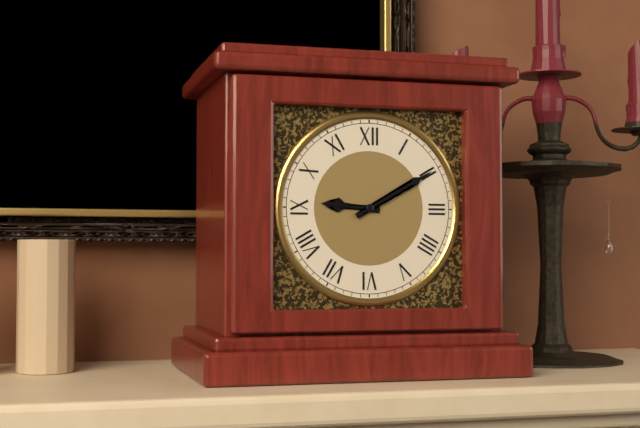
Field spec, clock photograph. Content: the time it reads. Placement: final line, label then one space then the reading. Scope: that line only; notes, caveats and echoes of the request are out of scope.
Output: 9:10
